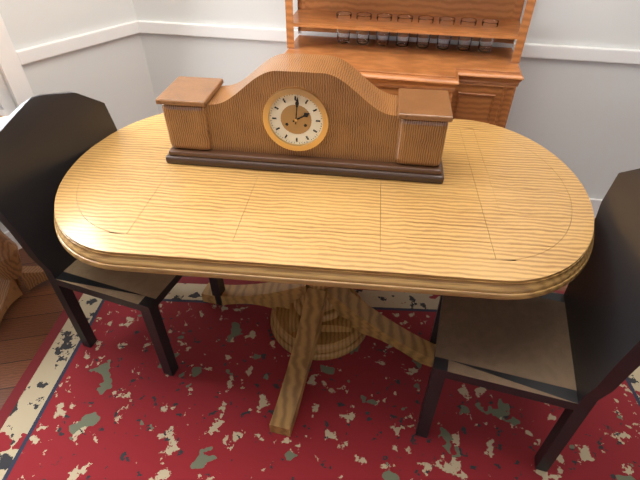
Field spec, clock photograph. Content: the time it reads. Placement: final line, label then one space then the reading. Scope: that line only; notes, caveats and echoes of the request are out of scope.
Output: 2:01
